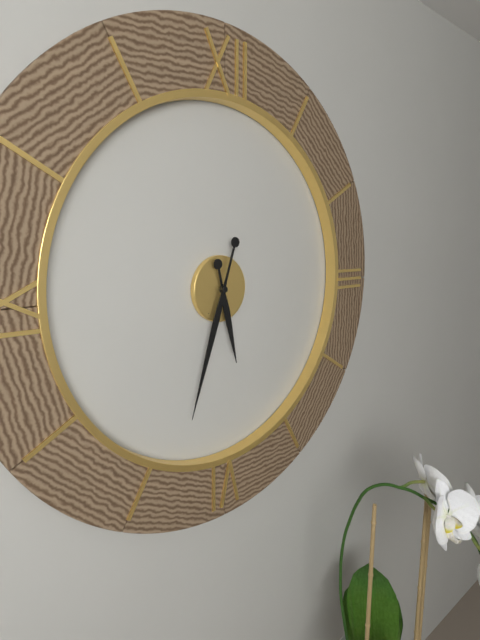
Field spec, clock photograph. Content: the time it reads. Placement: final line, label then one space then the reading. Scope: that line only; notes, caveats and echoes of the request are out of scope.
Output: 5:33
